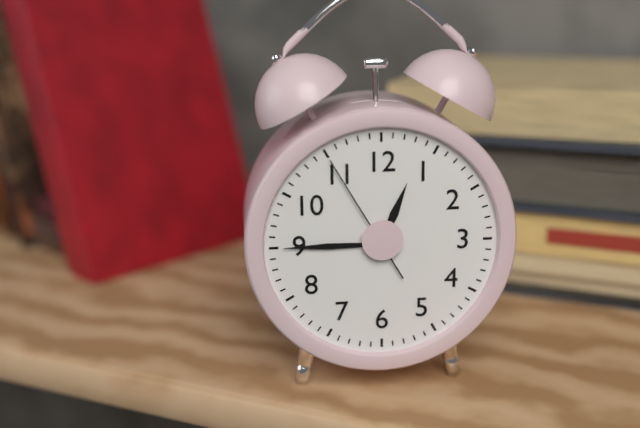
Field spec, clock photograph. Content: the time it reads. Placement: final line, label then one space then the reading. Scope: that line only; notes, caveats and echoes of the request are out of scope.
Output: 12:45:55
